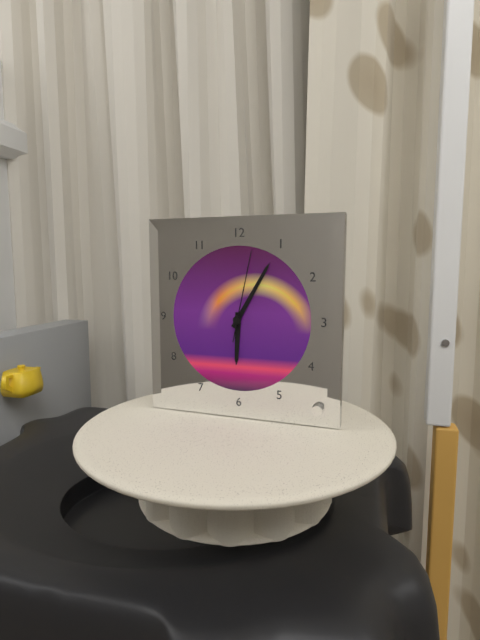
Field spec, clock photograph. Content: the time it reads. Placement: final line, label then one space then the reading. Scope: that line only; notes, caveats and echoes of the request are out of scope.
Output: 6:05:02
